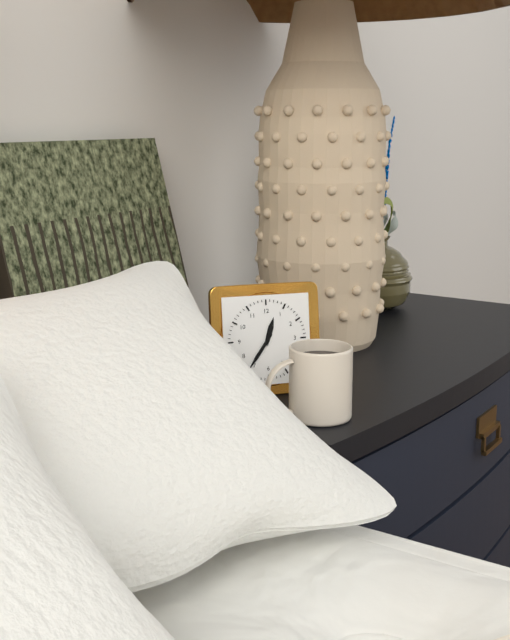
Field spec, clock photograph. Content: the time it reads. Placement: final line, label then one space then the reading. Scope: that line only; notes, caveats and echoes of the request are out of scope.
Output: 12:36
